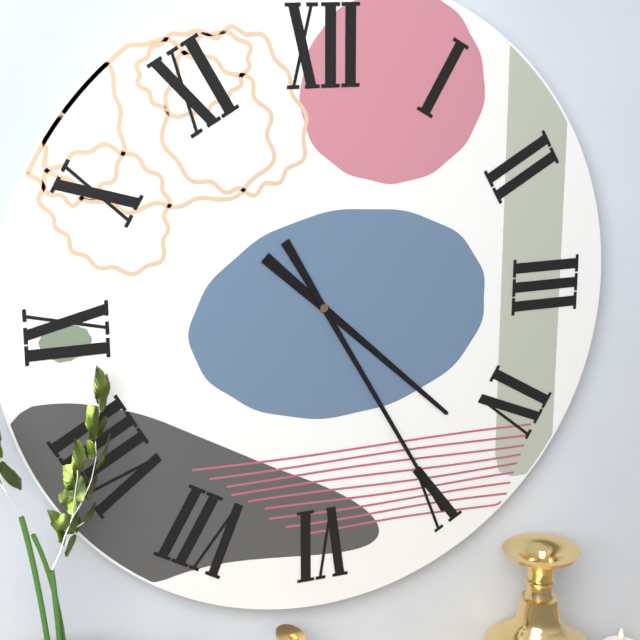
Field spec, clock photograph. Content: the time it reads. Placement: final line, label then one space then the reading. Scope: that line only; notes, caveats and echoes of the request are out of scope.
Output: 4:25
